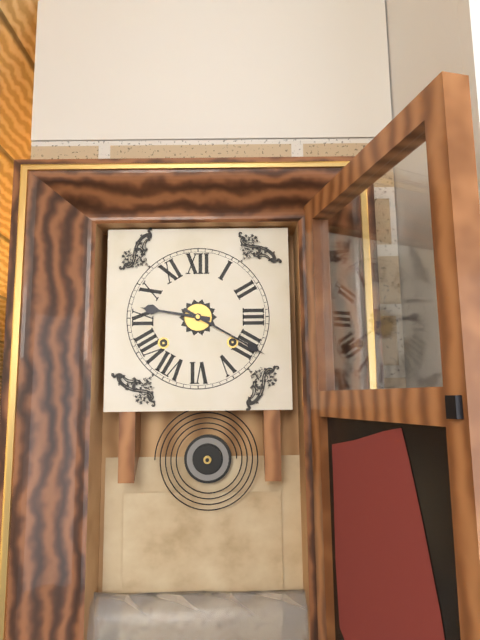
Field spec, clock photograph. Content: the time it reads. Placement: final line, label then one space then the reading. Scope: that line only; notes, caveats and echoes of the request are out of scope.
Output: 9:20
